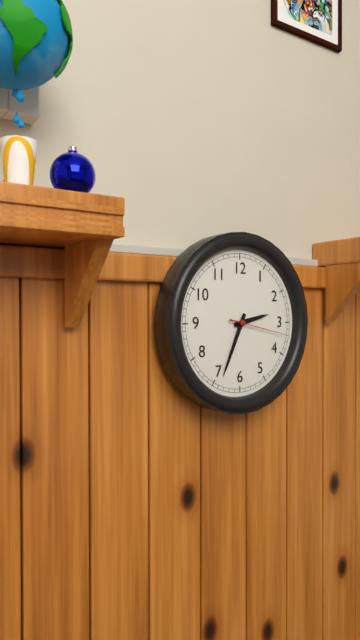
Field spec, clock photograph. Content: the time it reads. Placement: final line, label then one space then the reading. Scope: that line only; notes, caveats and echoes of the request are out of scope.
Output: 2:34:17
